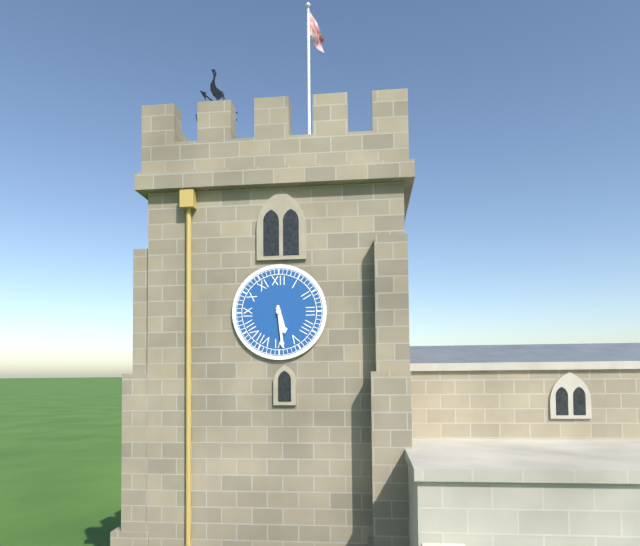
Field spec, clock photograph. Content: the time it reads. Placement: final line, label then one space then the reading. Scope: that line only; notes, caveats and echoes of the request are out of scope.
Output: 5:29
